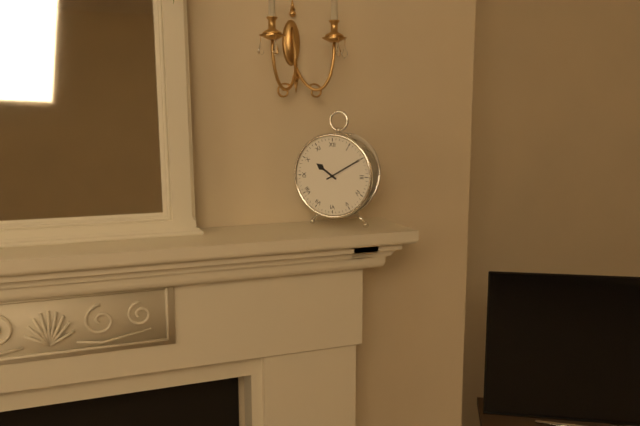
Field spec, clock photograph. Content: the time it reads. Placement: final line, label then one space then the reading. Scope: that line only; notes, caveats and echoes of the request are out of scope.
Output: 10:10
